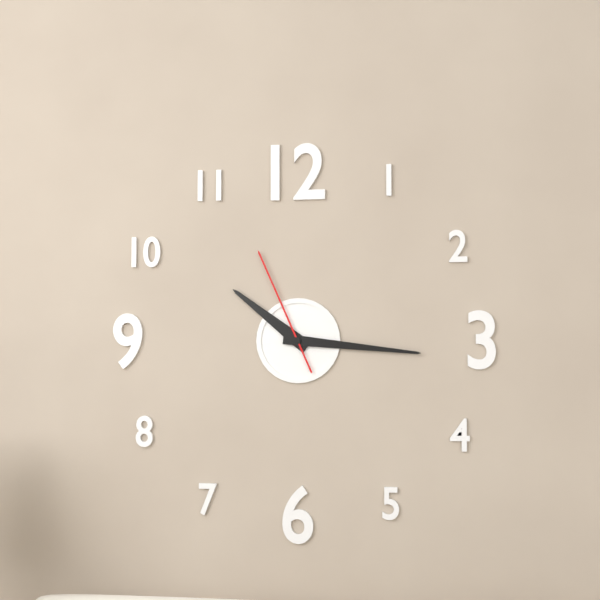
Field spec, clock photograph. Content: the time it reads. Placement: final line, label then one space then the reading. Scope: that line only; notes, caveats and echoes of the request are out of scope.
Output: 10:16:56
